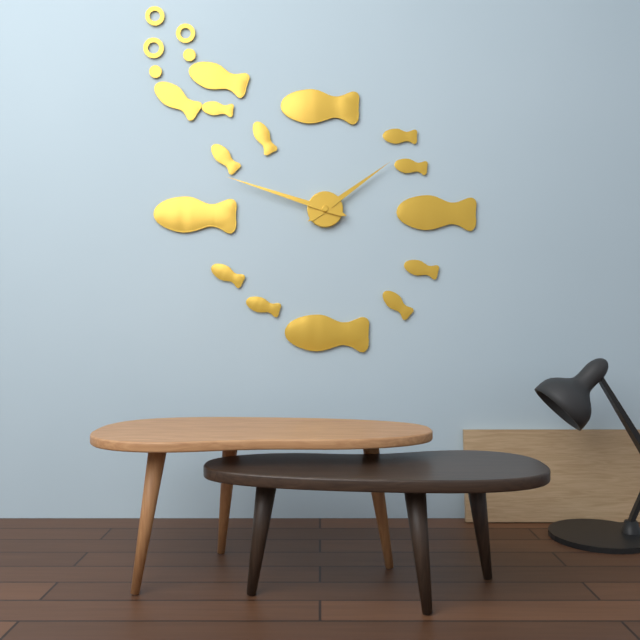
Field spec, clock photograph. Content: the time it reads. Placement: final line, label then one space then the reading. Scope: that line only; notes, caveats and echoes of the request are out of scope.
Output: 1:48
